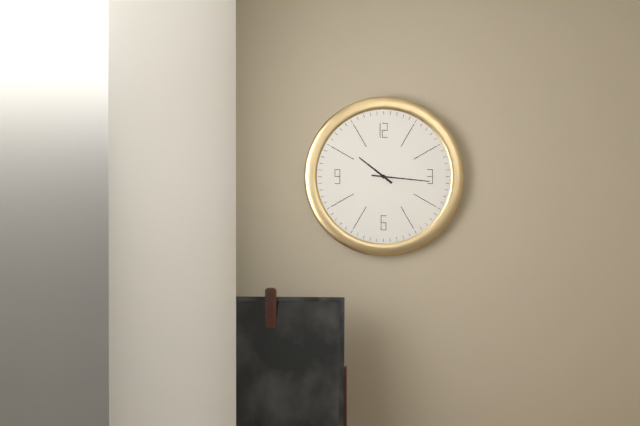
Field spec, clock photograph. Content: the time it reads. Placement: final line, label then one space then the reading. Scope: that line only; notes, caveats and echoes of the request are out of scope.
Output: 10:16
